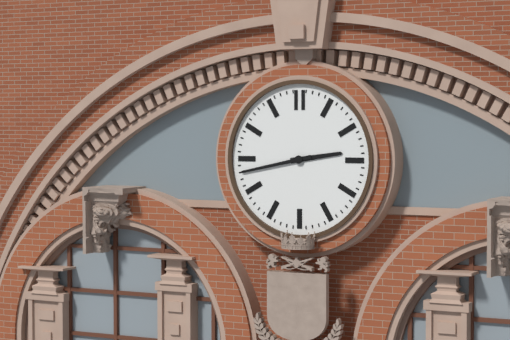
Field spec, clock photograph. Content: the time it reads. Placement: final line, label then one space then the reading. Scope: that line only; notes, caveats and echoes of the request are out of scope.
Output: 2:43
